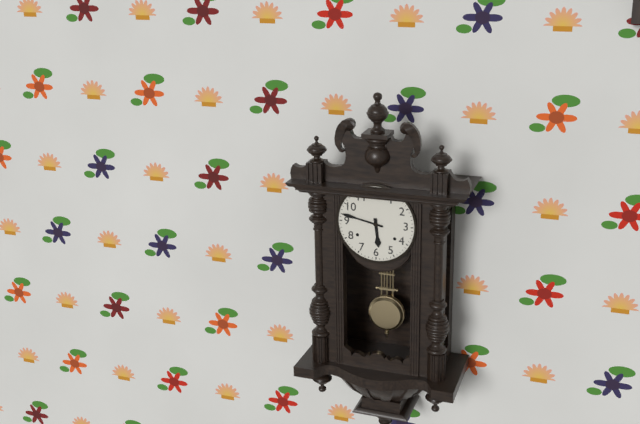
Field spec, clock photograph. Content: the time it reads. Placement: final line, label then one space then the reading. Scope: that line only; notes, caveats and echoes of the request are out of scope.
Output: 5:47
